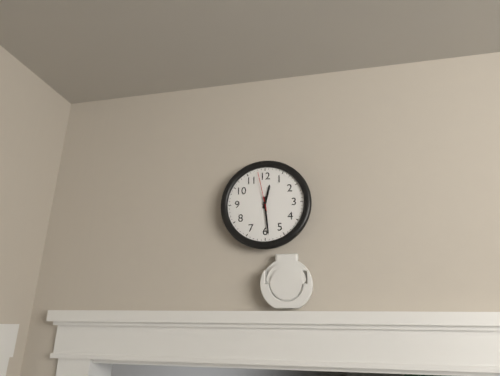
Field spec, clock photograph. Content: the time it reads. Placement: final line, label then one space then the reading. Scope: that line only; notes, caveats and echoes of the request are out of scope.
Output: 12:29
